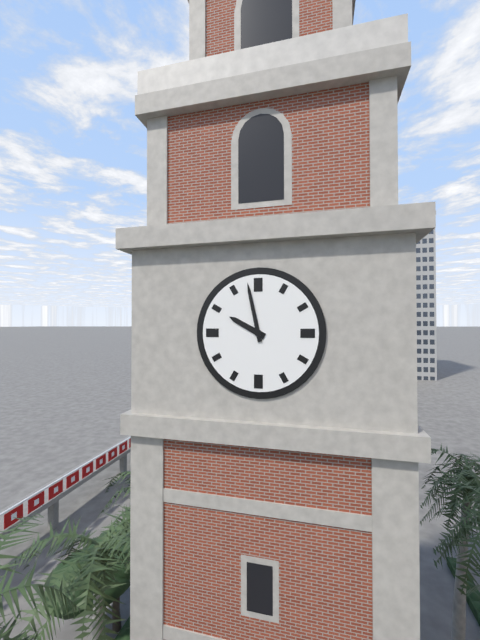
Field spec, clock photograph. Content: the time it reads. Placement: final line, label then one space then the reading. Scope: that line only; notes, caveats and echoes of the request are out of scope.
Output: 9:58
